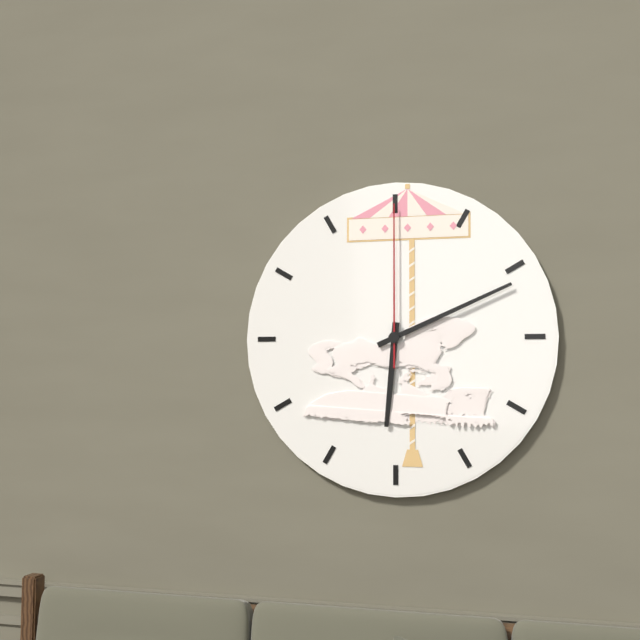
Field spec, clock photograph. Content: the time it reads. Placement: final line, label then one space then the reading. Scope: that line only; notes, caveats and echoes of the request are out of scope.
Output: 6:11:00
